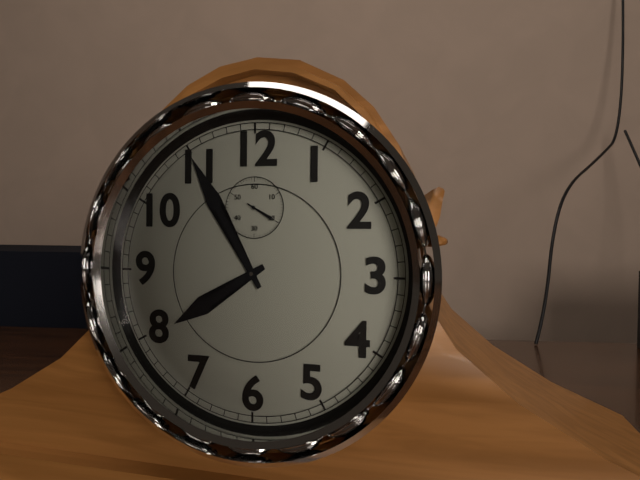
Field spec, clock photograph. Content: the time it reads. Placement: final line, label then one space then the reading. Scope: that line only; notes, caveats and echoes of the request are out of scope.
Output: 7:55
